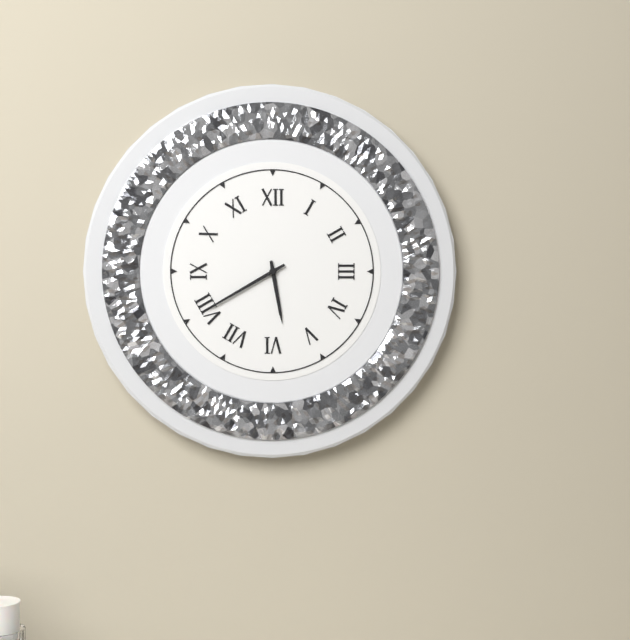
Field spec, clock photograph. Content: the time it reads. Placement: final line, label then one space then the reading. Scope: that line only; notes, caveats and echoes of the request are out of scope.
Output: 5:40
